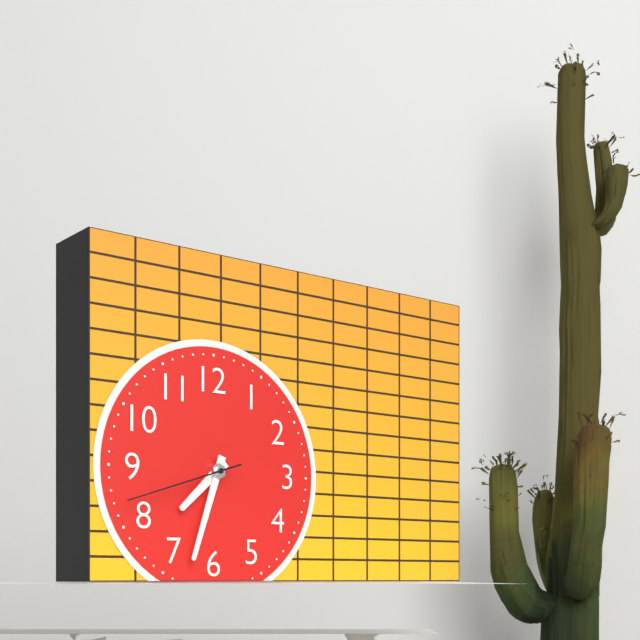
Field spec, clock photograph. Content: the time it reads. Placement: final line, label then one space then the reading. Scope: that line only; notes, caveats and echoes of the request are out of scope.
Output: 7:33:42
